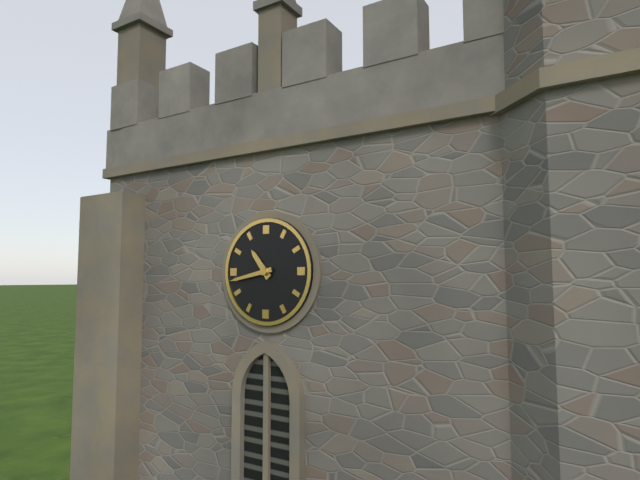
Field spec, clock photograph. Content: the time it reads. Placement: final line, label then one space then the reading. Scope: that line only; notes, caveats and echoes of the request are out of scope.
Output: 10:43
